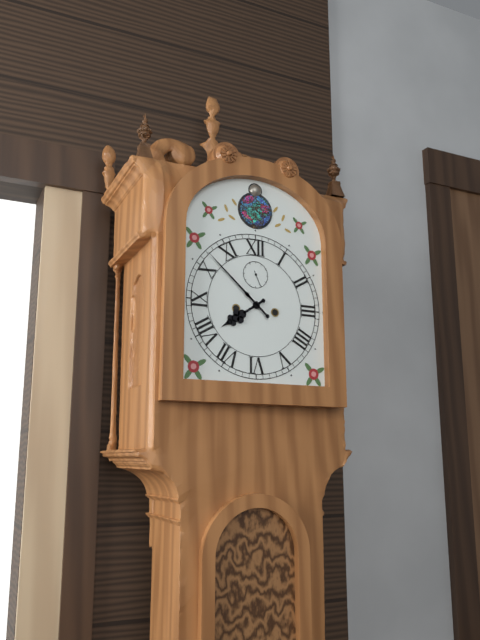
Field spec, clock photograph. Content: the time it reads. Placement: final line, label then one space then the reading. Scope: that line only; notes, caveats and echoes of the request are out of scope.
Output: 7:52
